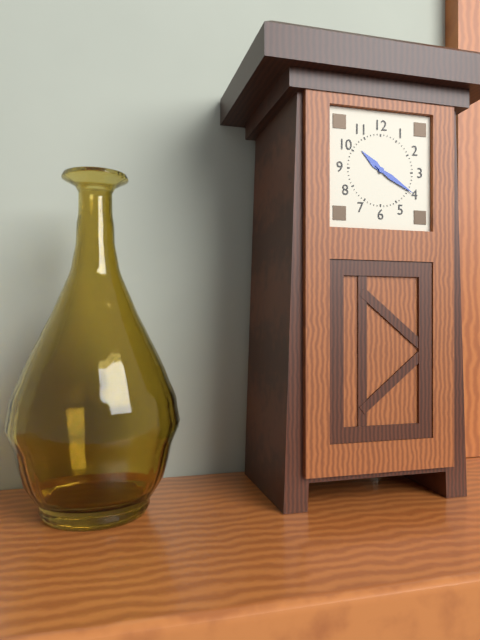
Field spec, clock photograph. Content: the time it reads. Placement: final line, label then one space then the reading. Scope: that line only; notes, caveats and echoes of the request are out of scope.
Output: 10:20
